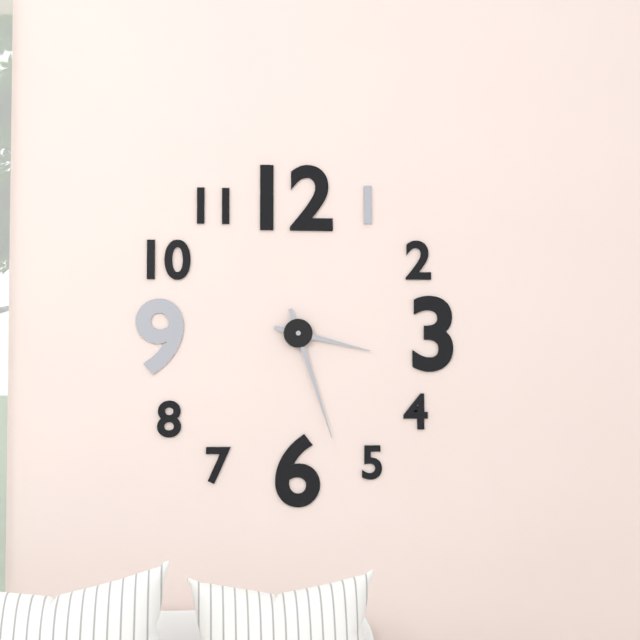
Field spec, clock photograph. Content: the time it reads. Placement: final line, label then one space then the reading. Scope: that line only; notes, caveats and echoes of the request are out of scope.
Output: 3:27
